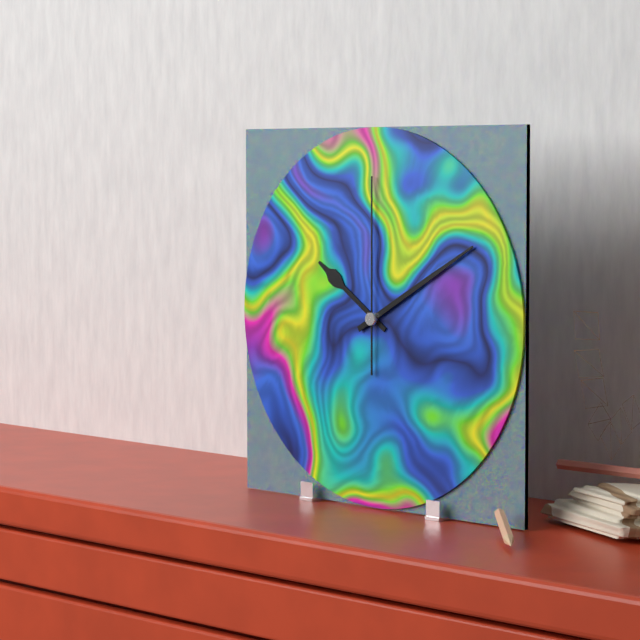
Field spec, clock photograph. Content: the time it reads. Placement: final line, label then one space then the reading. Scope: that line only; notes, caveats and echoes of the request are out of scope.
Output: 10:10:00
